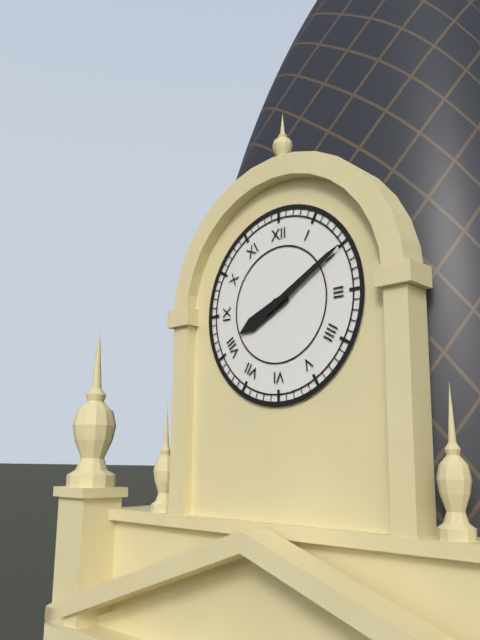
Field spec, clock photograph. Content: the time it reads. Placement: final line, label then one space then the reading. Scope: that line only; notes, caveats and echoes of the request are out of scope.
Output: 8:10
